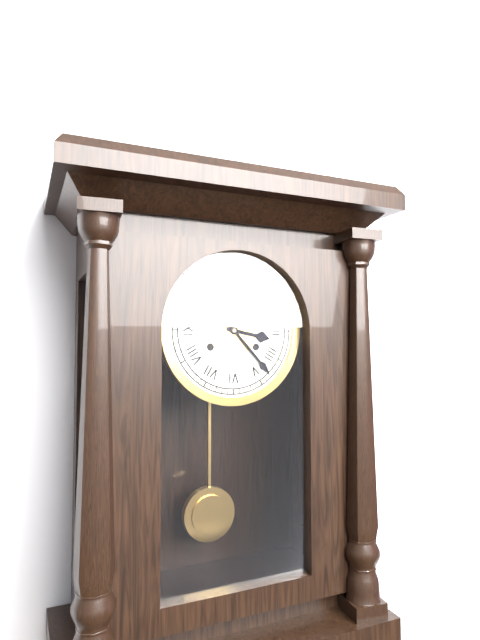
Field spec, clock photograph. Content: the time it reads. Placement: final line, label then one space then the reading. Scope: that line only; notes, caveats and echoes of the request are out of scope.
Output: 3:23
